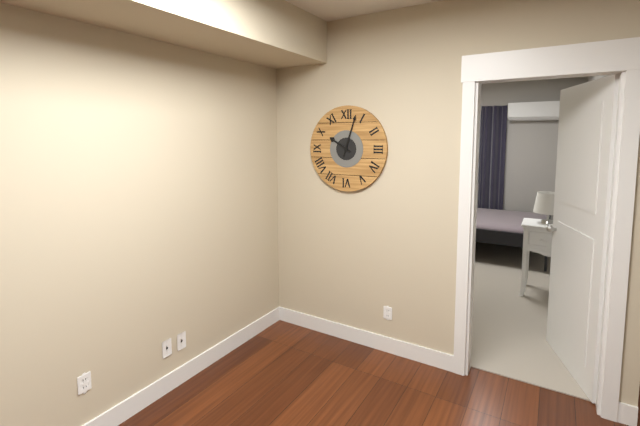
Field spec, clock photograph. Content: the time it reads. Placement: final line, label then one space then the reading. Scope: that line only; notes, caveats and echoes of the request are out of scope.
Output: 10:03
